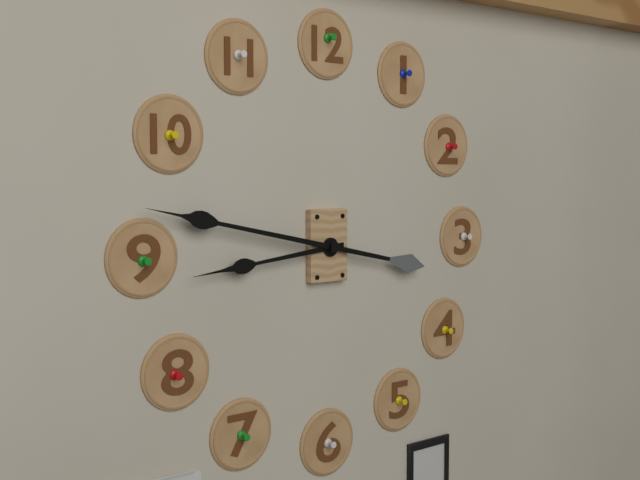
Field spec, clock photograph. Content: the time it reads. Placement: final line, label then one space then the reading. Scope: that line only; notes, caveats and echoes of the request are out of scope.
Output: 8:47
